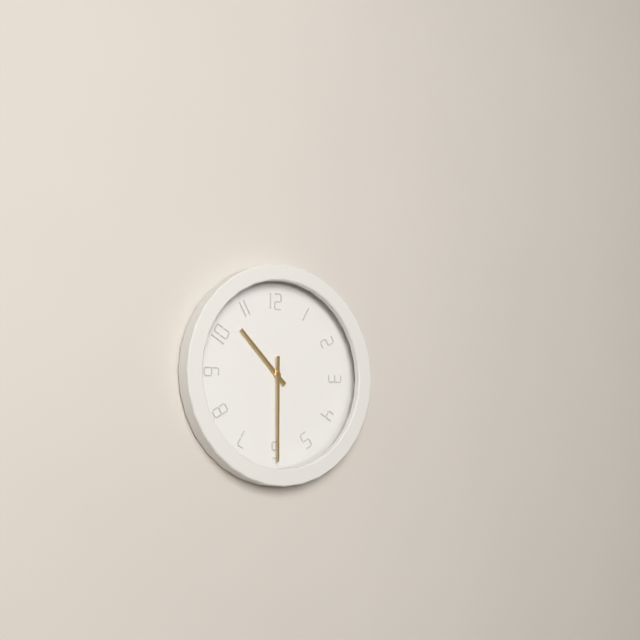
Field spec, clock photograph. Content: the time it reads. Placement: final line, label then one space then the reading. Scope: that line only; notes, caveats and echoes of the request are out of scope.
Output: 10:30
